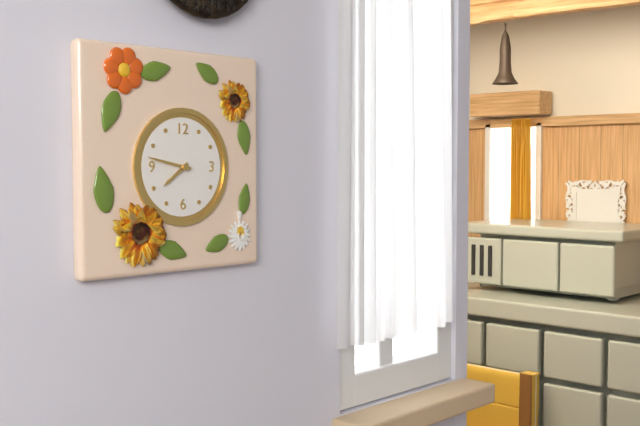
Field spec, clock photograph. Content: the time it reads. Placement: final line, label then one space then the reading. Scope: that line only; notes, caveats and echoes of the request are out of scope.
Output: 7:47
